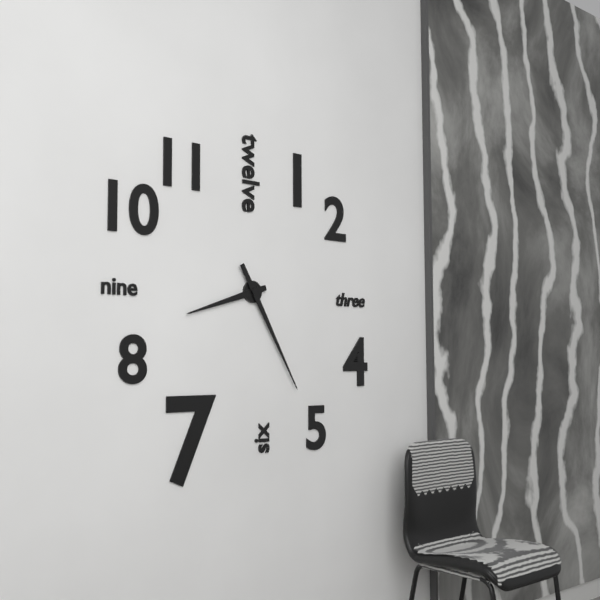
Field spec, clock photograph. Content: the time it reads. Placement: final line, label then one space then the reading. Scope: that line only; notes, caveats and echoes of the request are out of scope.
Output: 8:25
